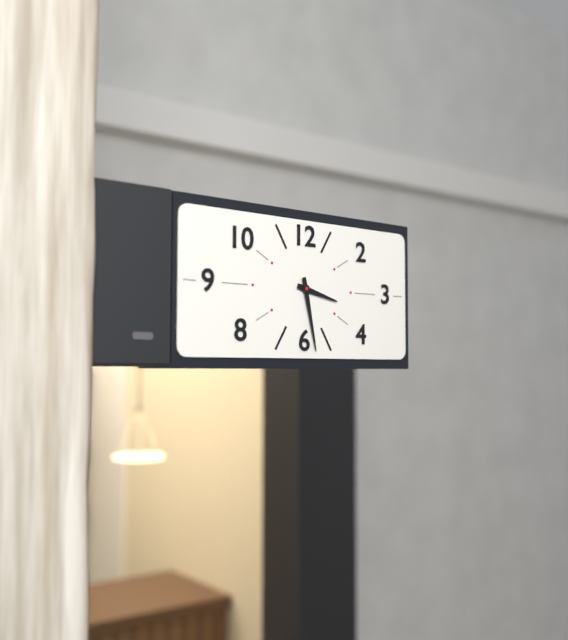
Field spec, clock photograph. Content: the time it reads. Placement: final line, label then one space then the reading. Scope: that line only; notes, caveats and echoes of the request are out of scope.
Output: 3:28
